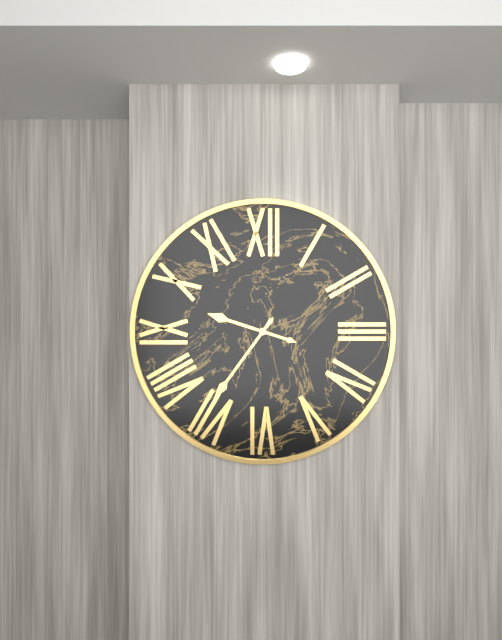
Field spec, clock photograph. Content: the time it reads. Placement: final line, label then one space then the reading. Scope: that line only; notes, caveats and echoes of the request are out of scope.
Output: 9:36
